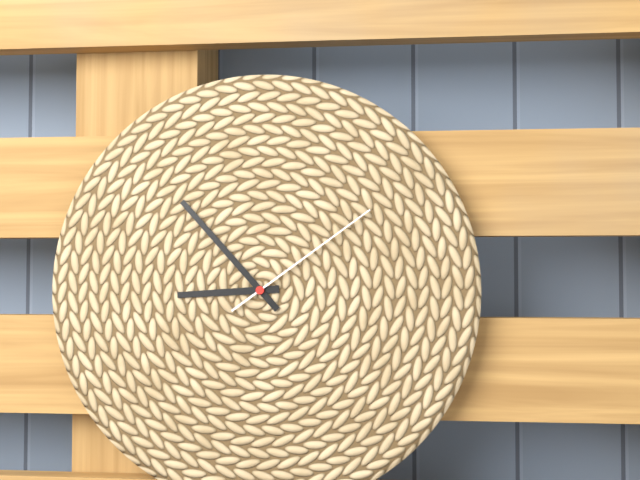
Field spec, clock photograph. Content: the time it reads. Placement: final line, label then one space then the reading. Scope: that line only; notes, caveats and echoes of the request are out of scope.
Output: 8:53:09
